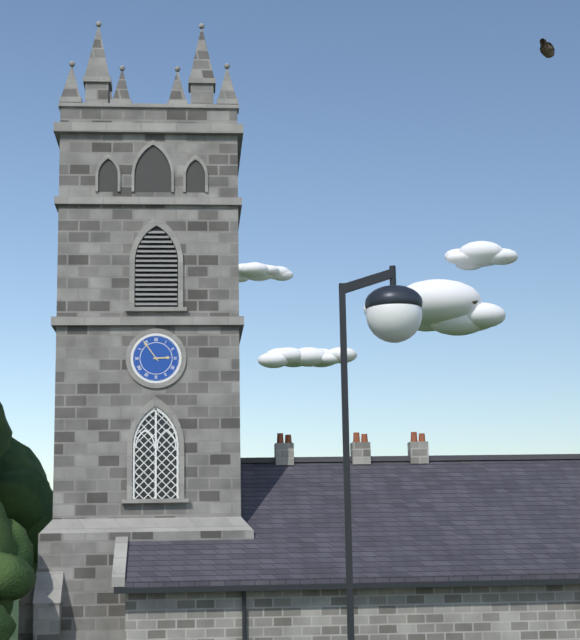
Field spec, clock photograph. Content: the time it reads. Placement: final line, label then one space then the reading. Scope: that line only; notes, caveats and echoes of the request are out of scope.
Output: 2:54
